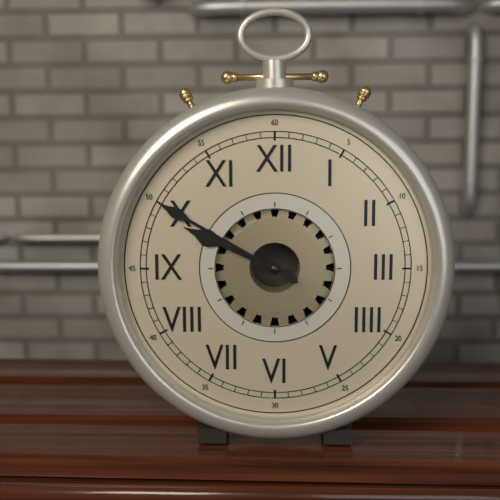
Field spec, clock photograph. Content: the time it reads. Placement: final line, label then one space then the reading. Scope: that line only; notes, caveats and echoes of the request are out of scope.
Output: 9:50
